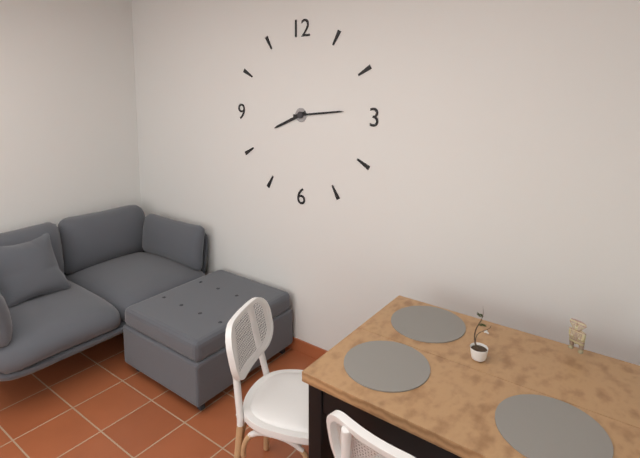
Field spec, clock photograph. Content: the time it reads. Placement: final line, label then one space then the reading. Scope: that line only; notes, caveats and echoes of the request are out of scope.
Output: 8:14
